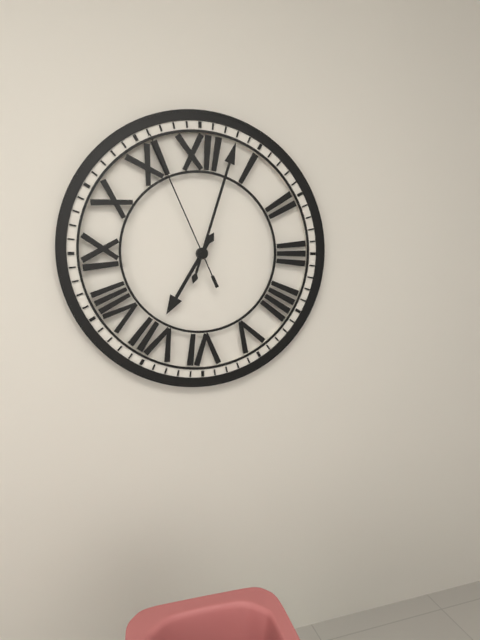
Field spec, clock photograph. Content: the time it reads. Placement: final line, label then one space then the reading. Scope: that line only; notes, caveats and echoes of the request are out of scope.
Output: 7:03:56
